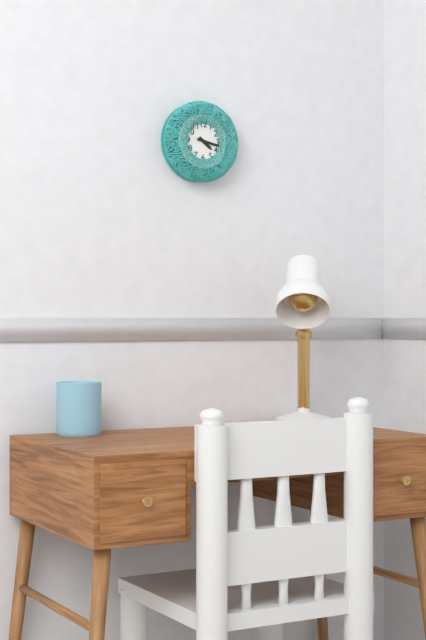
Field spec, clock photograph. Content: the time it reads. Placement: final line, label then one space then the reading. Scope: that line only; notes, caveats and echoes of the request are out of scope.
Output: 4:17
